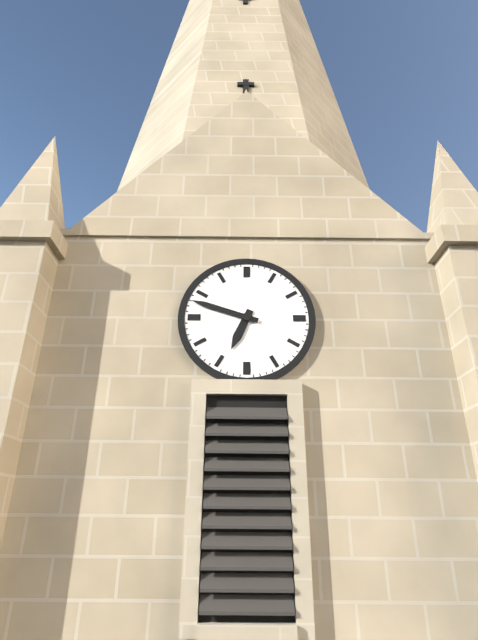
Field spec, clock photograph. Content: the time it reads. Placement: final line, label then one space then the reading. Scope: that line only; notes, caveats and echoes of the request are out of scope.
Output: 6:48
